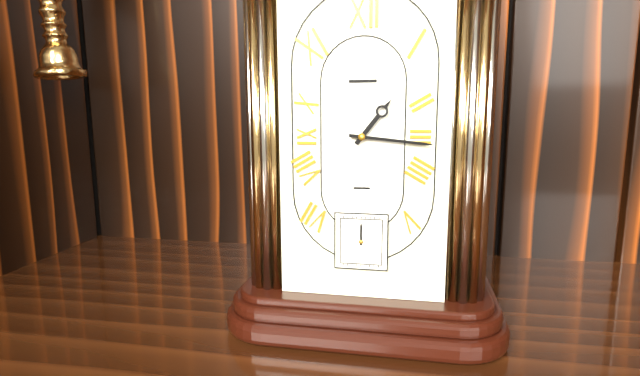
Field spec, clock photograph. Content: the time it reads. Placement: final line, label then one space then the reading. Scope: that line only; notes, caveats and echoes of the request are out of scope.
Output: 1:16
